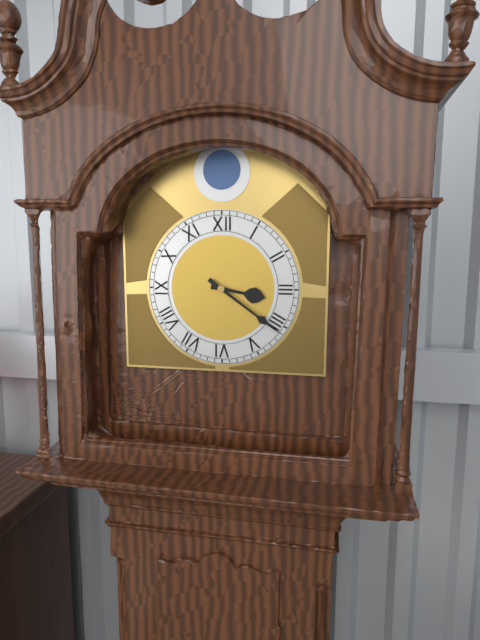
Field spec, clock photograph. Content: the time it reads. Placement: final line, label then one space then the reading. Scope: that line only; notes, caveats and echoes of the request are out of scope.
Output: 3:21
